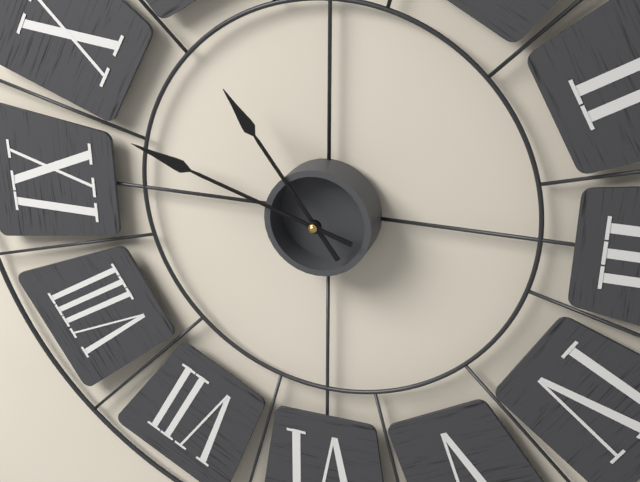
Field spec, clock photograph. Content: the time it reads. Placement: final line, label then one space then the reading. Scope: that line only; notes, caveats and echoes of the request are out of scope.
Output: 10:48
